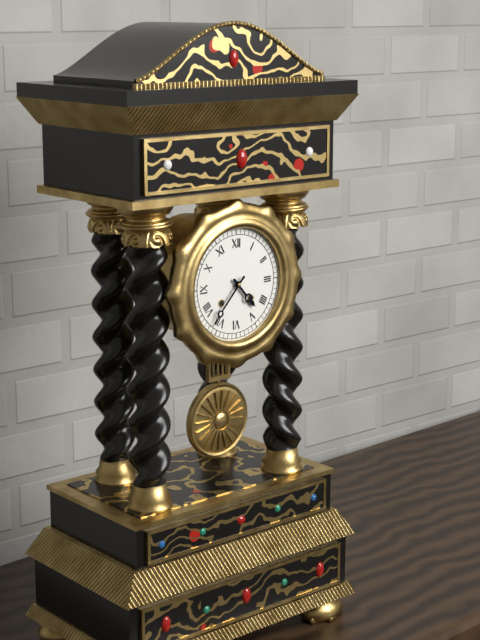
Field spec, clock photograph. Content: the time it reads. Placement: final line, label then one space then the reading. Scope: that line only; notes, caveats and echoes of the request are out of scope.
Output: 4:37
